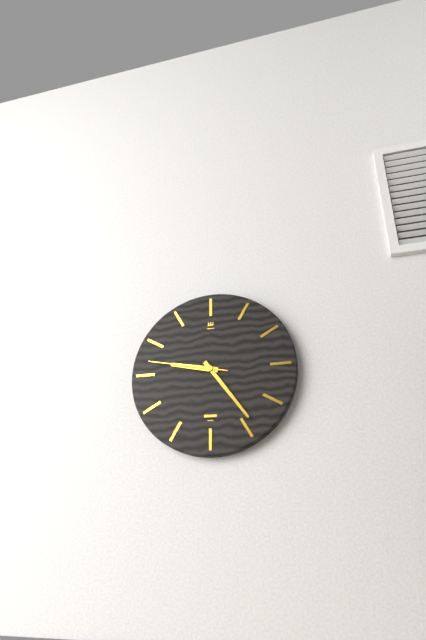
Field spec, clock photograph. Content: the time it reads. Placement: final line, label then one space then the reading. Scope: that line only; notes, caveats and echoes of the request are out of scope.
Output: 9:24:47
